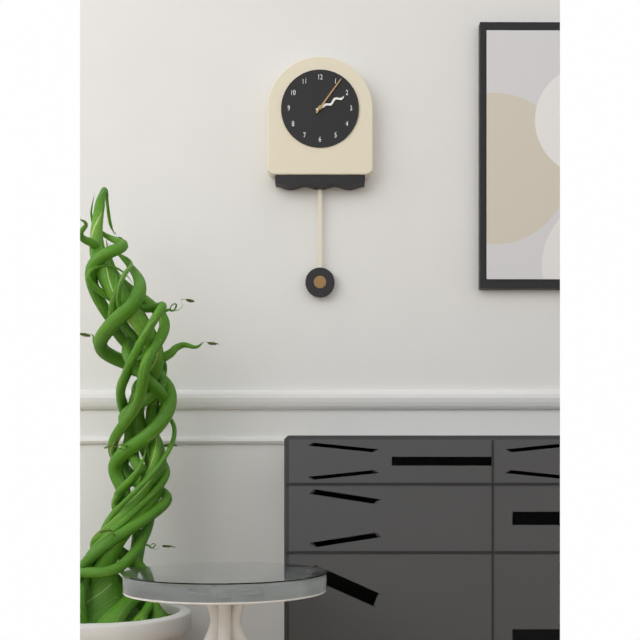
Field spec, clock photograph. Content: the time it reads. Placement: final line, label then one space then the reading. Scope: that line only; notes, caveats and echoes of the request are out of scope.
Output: 2:06
